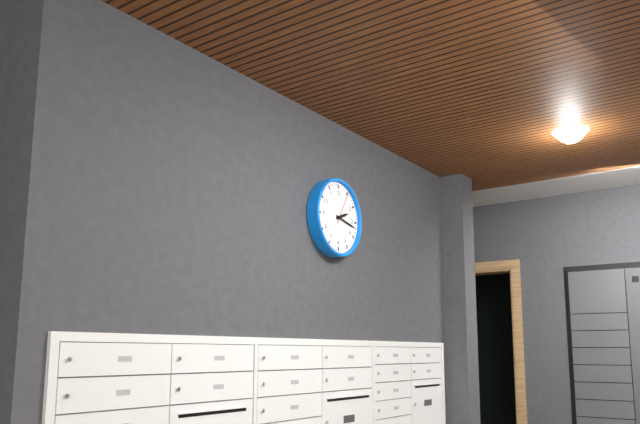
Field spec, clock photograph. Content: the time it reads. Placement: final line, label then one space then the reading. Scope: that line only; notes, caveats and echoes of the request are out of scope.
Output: 2:17
